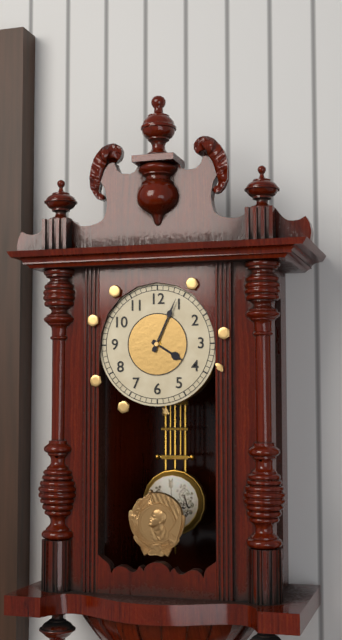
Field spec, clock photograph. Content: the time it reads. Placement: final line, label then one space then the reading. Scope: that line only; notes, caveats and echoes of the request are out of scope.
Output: 4:04
